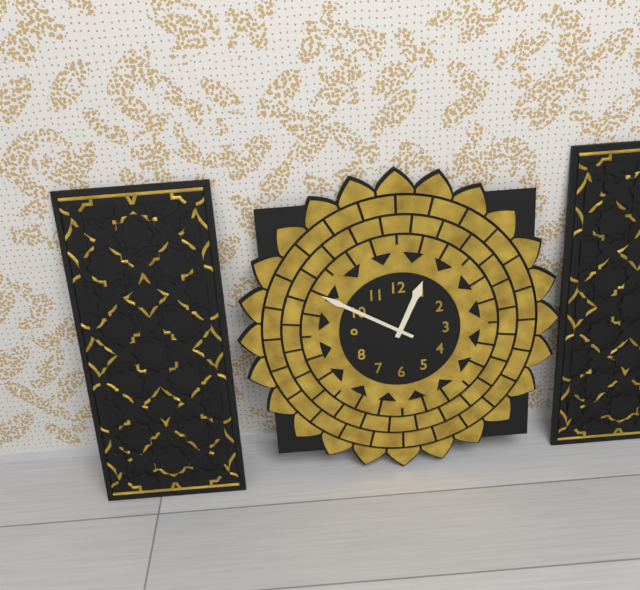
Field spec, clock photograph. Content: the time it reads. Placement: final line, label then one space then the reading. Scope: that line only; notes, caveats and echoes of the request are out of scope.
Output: 12:50
